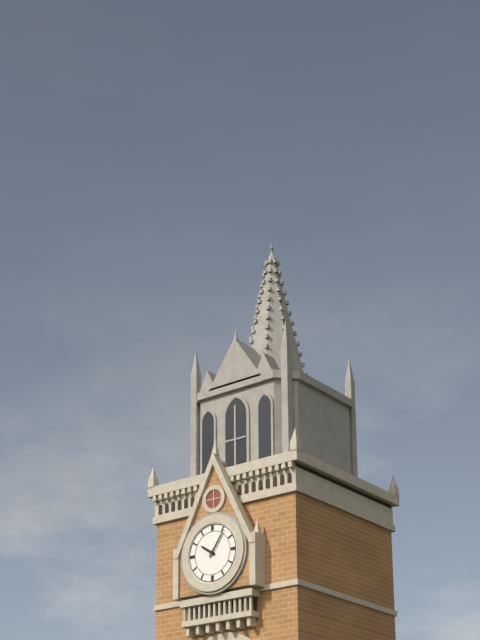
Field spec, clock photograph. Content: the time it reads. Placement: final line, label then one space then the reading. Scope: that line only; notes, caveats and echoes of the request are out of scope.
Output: 10:06
